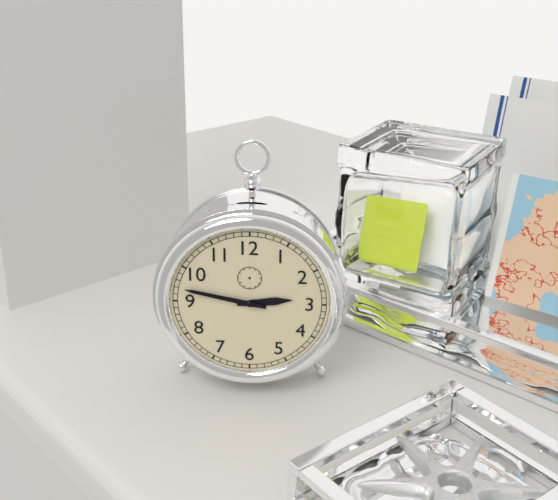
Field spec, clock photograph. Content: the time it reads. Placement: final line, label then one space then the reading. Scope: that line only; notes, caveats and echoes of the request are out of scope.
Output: 2:47
